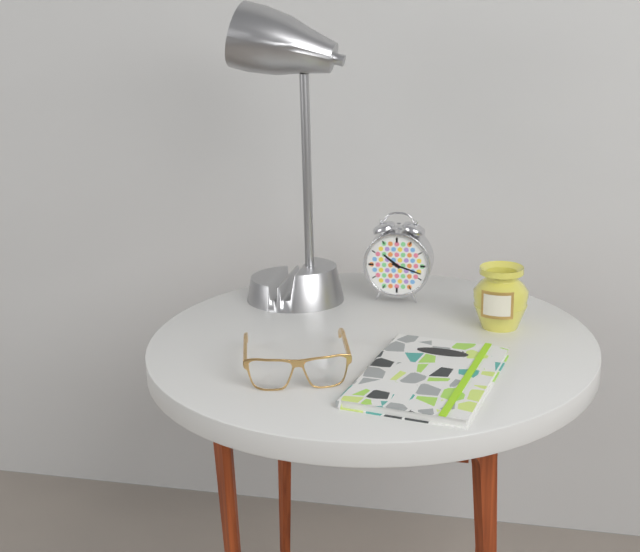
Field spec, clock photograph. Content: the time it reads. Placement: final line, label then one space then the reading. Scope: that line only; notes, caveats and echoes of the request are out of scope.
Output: 10:18
